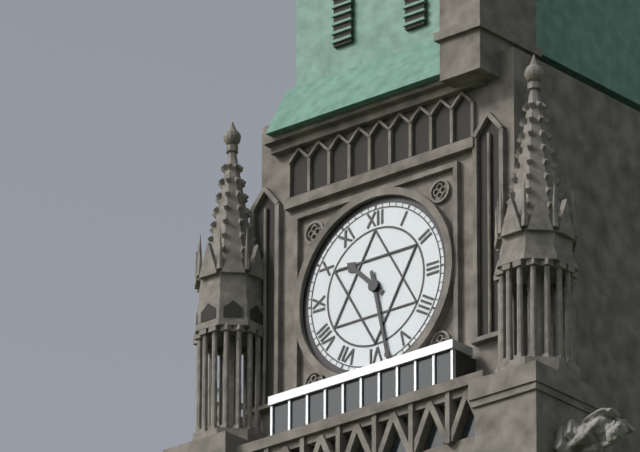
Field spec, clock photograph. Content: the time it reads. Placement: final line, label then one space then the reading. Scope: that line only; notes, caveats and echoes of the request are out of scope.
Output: 10:28
